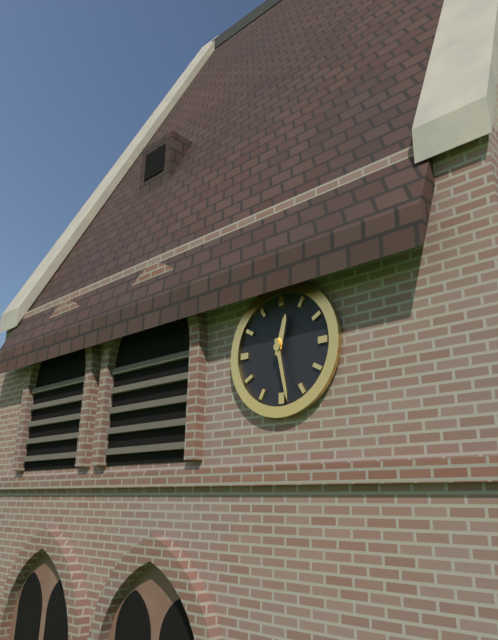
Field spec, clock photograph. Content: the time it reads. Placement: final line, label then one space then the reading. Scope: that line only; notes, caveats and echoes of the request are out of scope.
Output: 12:28
